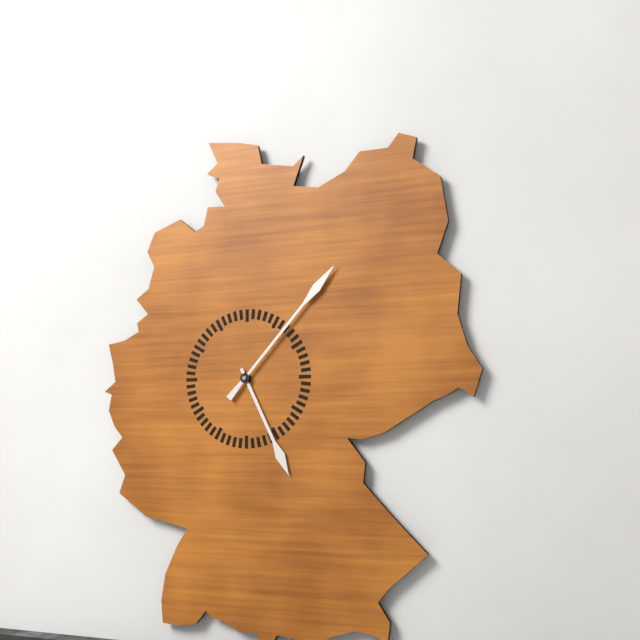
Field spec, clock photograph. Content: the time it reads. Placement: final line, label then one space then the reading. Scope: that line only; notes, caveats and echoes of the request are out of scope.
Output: 5:07
